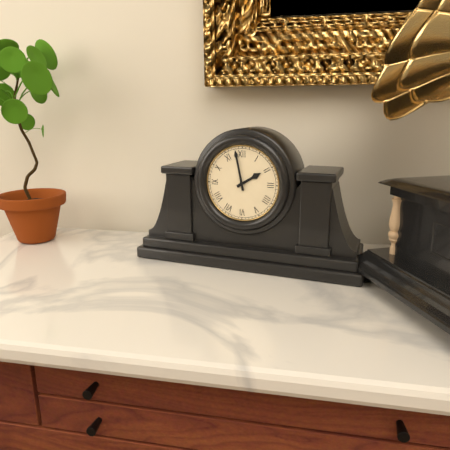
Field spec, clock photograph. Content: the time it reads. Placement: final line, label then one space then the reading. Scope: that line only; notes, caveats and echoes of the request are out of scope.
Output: 1:58
